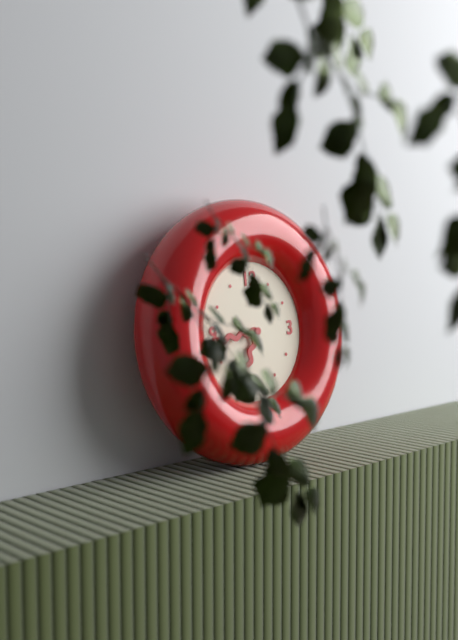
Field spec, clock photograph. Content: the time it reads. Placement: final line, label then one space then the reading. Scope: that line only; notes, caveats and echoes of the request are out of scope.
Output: 6:44
